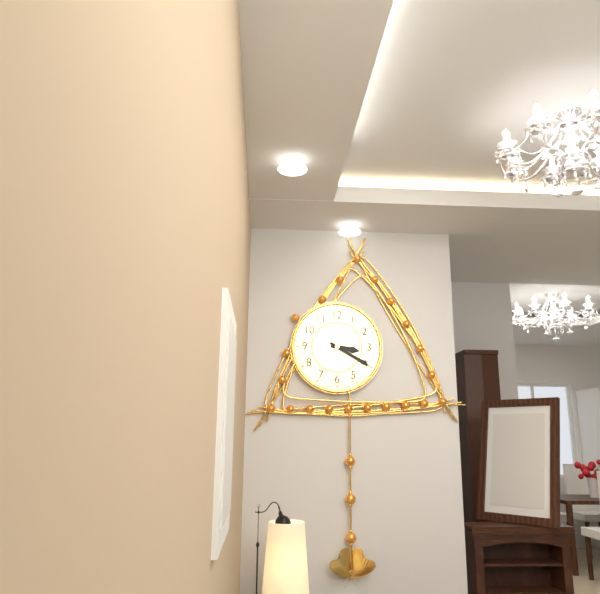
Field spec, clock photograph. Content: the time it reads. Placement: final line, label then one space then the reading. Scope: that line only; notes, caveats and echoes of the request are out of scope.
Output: 3:20
